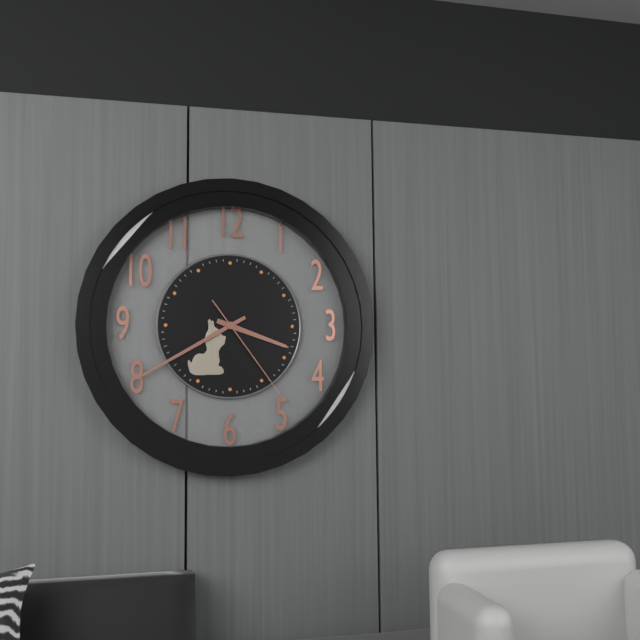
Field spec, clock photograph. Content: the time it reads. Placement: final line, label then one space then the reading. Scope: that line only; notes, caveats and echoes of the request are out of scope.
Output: 3:40:24
